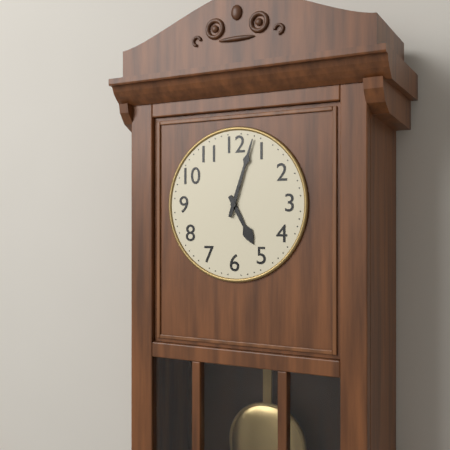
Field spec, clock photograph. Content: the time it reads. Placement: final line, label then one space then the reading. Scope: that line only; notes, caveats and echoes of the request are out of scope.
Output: 5:03
